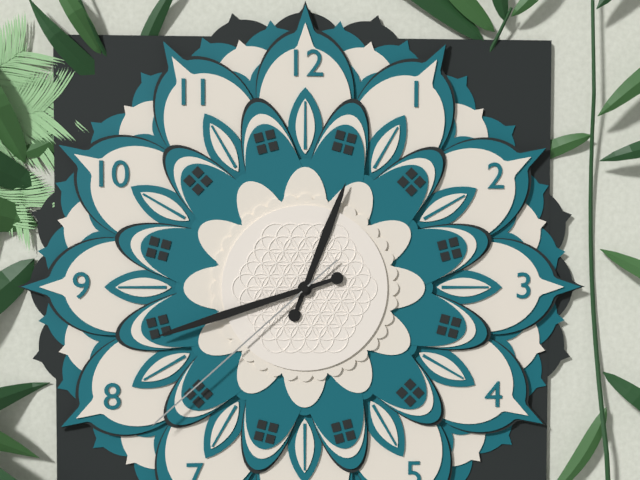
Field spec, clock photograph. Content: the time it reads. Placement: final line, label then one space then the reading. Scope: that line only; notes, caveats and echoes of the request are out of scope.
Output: 12:42:38
